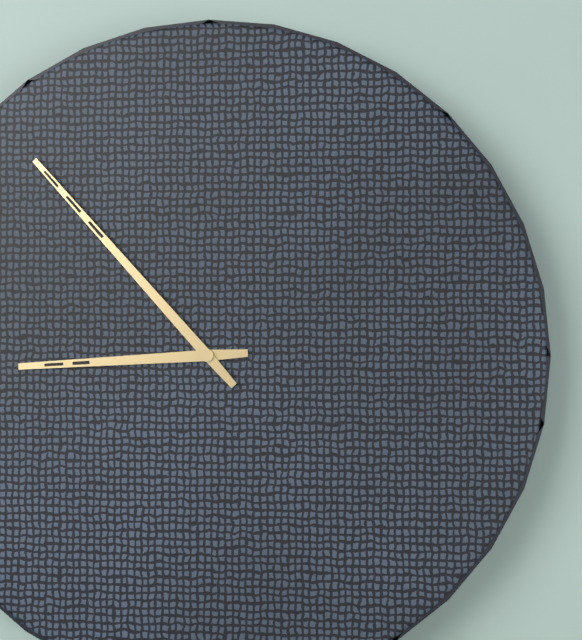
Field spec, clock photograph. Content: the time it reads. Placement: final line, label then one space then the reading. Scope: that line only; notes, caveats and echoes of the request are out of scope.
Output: 8:53
